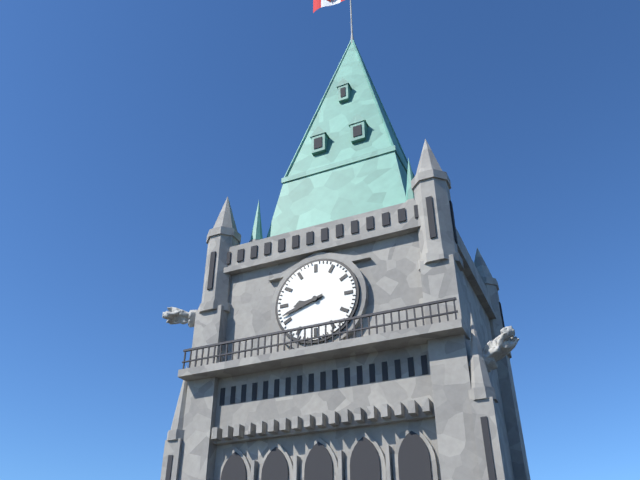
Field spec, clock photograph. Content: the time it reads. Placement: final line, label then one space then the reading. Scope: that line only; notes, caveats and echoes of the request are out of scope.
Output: 8:42
